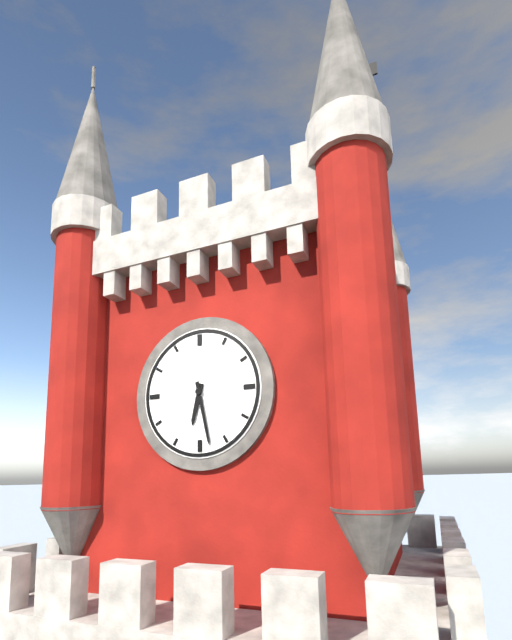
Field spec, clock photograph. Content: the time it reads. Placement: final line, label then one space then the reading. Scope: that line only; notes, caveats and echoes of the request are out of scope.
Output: 6:28
